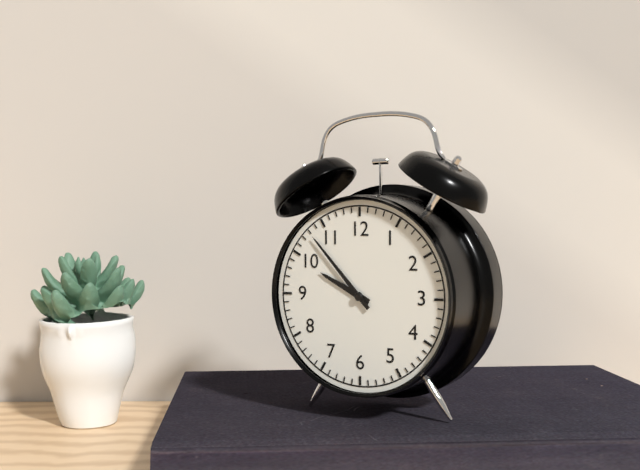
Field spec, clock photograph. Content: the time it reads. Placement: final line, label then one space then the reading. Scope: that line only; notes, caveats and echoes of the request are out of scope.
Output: 9:53
